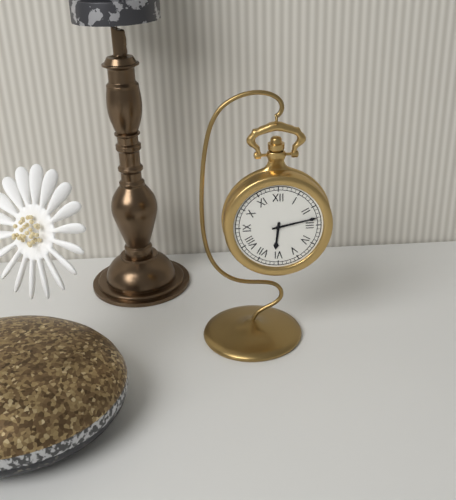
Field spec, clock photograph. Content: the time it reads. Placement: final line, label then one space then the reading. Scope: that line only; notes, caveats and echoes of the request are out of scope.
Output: 6:13
